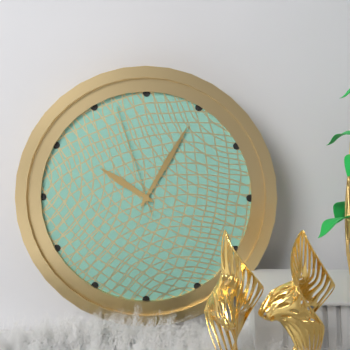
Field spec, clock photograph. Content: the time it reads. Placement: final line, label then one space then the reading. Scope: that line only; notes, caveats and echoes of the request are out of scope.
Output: 10:05:57
